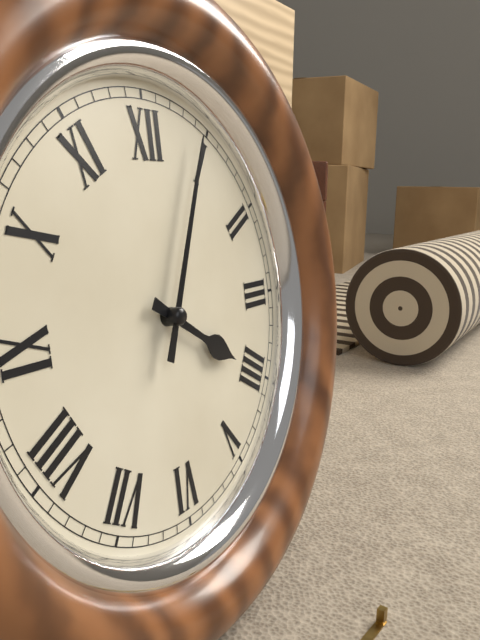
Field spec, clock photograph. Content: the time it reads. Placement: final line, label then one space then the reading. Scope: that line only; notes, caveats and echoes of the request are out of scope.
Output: 4:04
